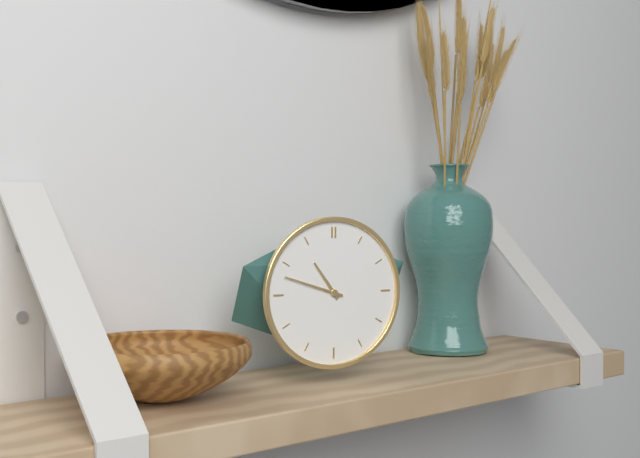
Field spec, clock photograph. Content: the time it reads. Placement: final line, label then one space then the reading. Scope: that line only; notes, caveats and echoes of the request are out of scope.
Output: 10:48
